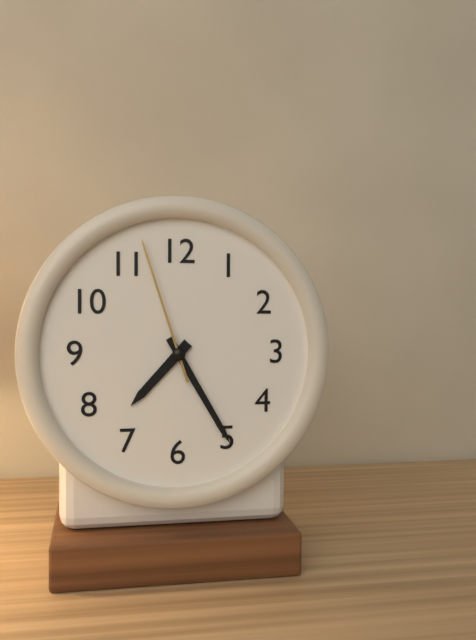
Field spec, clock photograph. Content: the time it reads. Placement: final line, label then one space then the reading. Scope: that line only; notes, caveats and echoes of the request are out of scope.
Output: 7:25:57
